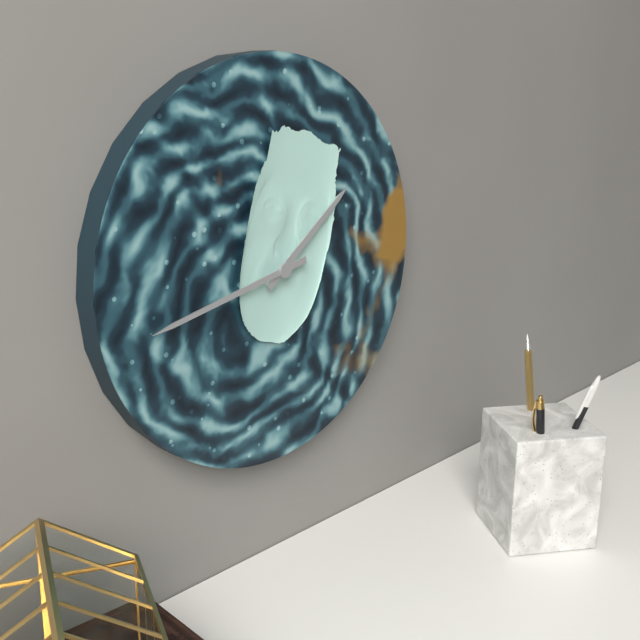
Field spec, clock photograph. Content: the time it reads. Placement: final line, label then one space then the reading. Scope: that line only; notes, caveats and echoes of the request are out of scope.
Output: 1:43
